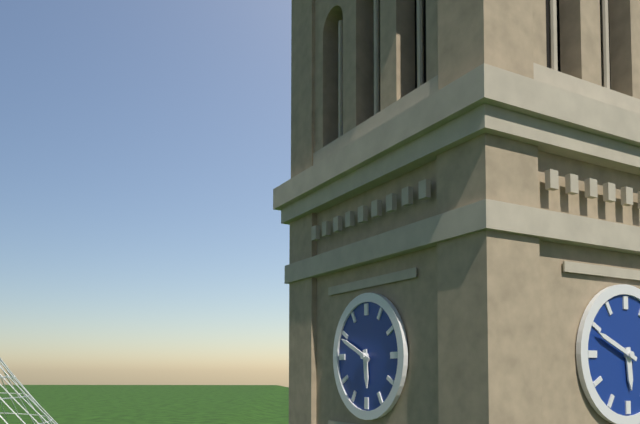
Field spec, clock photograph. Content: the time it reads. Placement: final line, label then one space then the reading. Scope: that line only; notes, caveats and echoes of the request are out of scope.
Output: 5:49
